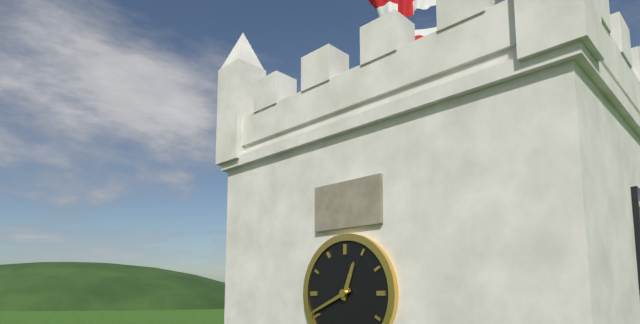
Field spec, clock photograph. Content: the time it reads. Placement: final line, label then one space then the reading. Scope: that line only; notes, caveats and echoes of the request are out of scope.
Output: 12:41
